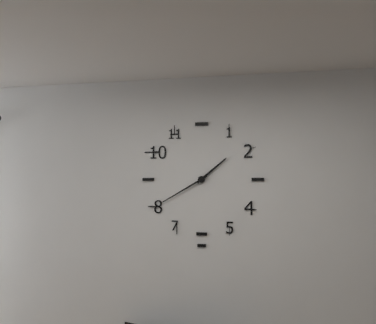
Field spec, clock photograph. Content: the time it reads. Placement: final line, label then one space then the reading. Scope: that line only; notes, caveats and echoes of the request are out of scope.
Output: 1:40
